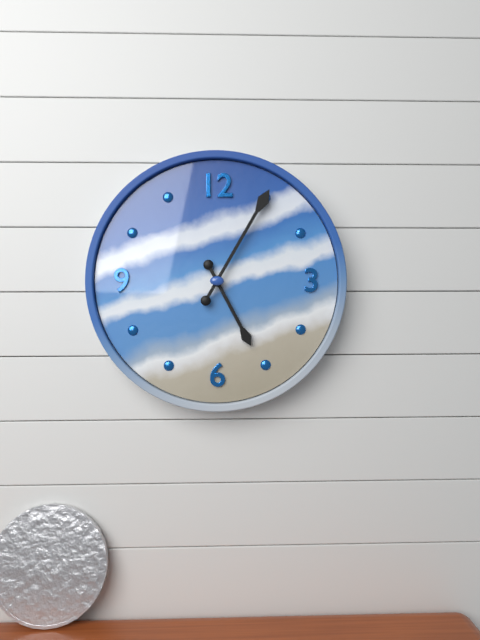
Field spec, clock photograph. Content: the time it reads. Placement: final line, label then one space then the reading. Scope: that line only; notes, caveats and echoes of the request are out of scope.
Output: 5:05
